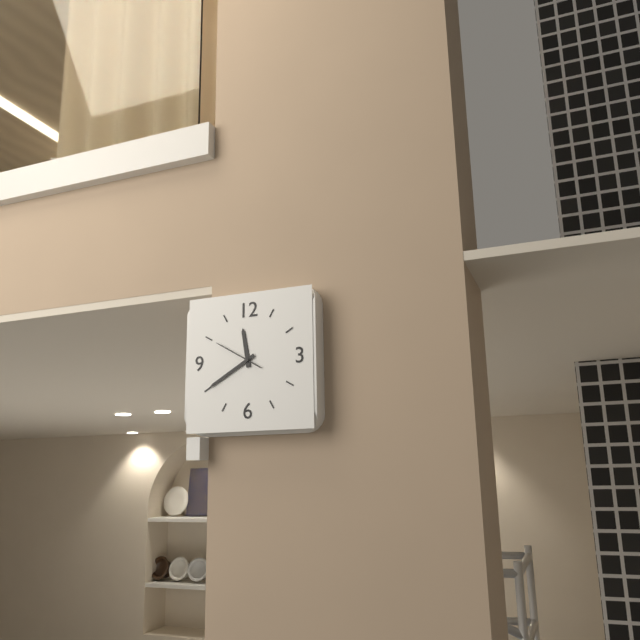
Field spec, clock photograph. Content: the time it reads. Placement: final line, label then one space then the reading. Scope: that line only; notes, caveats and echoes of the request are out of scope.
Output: 11:40
